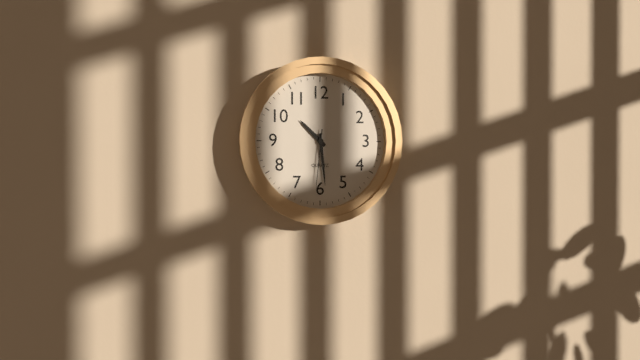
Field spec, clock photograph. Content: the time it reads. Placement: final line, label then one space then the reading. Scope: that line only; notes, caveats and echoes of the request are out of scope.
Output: 10:29:31
